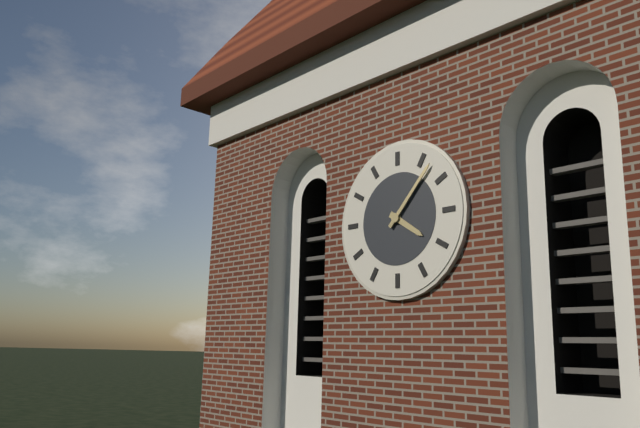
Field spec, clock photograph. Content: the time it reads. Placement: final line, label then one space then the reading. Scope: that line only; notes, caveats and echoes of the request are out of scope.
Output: 4:07
